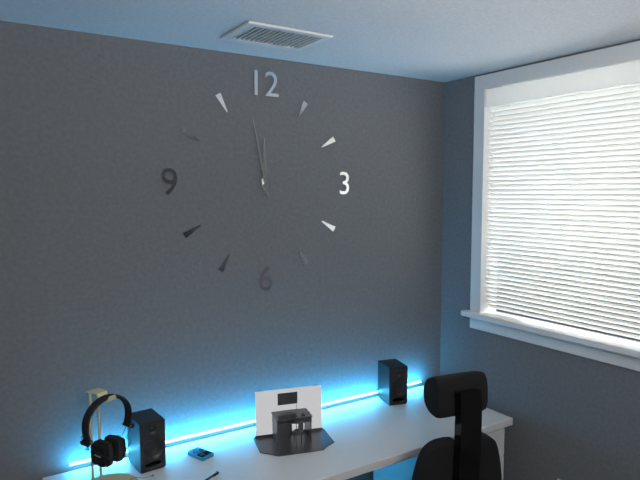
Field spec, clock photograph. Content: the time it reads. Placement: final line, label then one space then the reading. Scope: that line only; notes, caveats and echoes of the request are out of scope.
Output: 11:58
